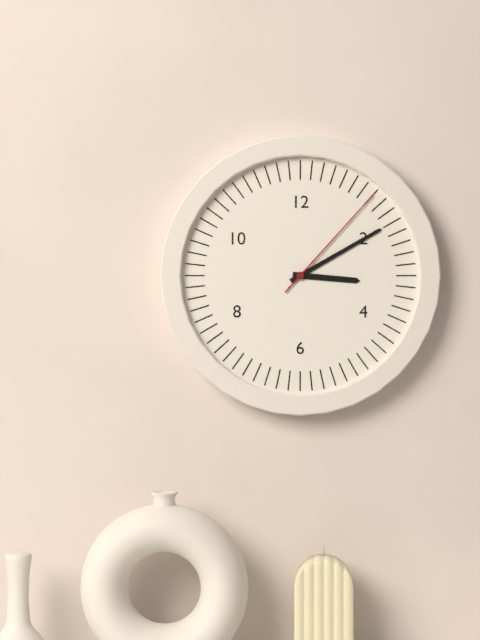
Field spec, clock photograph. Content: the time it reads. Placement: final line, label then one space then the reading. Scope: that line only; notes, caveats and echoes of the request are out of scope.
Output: 3:10:07
